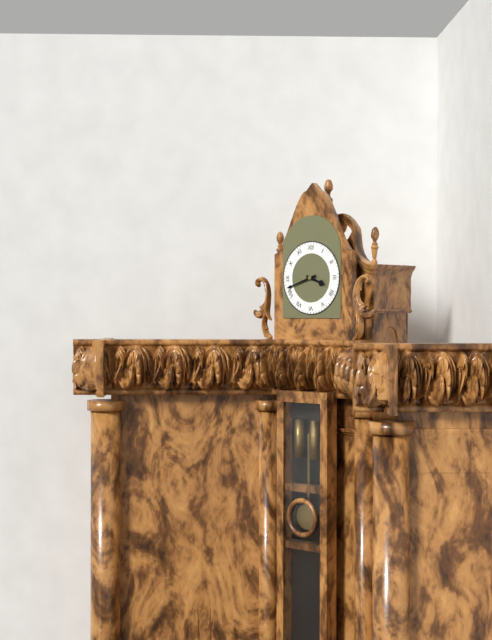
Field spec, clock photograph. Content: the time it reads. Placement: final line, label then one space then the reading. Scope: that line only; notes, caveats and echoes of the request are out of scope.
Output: 3:42
